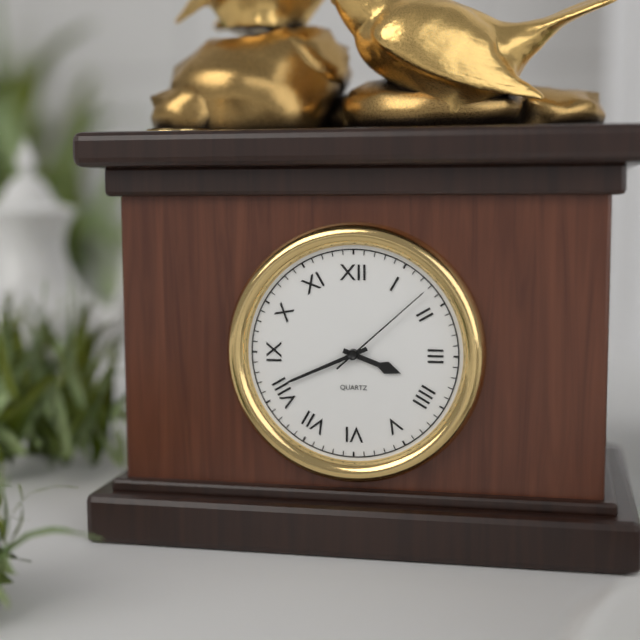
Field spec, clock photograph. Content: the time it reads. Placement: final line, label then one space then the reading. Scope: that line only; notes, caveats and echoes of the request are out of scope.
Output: 3:41:08
